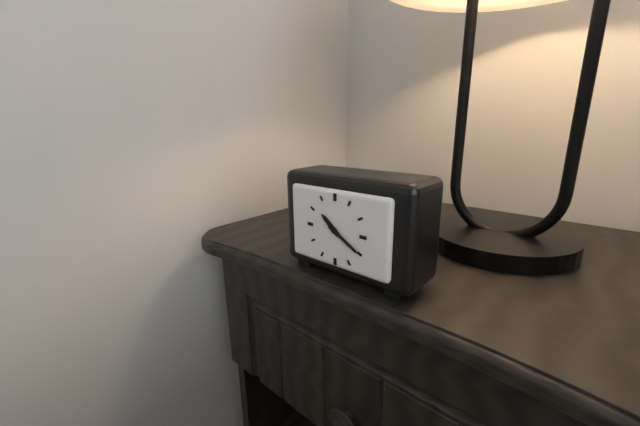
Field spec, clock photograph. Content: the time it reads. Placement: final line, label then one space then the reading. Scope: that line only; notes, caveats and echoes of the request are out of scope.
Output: 10:20
